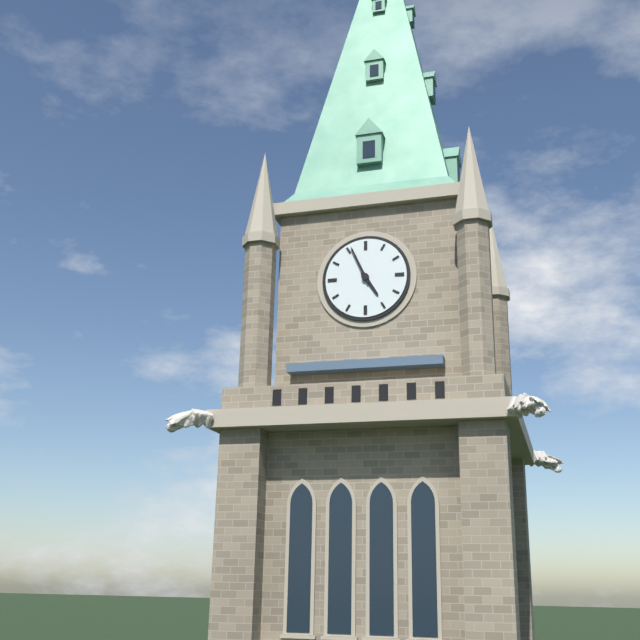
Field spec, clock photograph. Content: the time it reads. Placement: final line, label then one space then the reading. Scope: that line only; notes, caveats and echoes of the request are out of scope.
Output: 4:56
